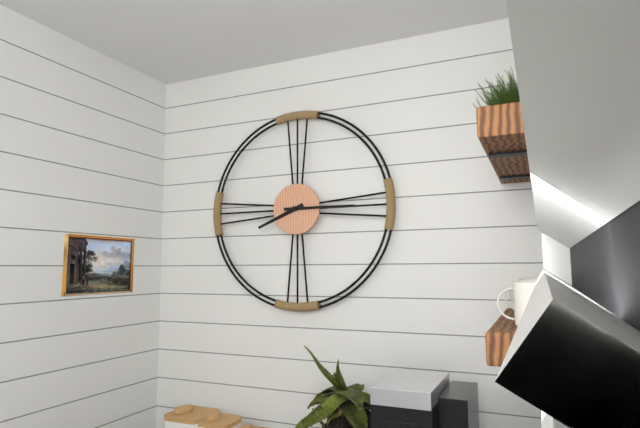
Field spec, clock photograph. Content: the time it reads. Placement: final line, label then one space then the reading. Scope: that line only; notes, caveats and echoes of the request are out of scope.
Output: 8:15
